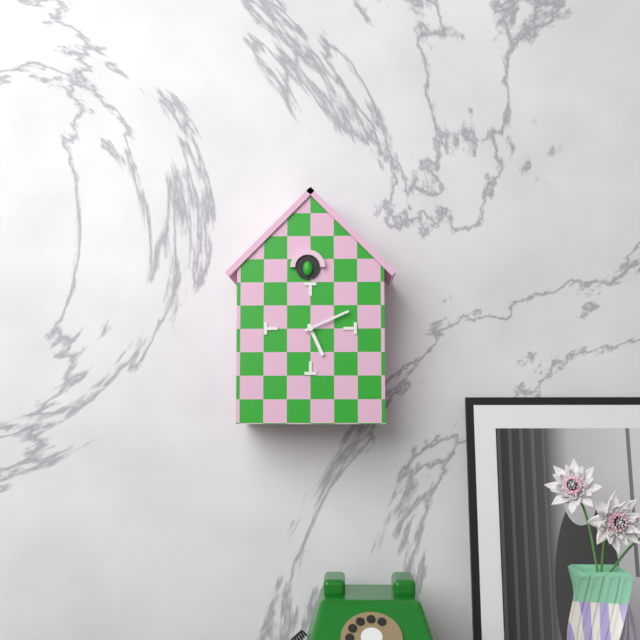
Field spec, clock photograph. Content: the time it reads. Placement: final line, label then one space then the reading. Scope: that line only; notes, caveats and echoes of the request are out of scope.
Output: 5:11
